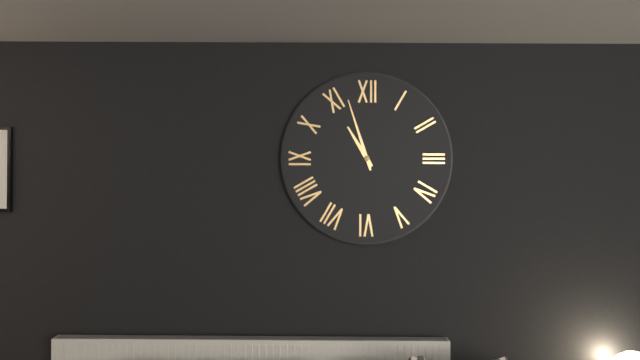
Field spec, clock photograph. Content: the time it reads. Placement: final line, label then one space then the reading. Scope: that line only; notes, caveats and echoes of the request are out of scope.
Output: 10:57
